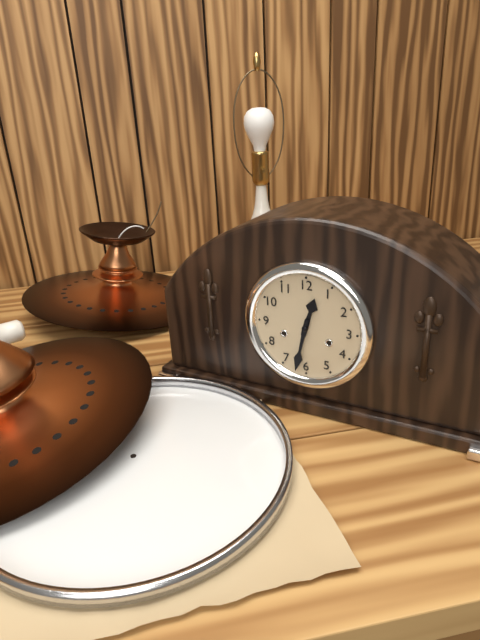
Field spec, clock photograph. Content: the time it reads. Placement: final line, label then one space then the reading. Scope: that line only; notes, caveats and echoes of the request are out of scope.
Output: 12:32
